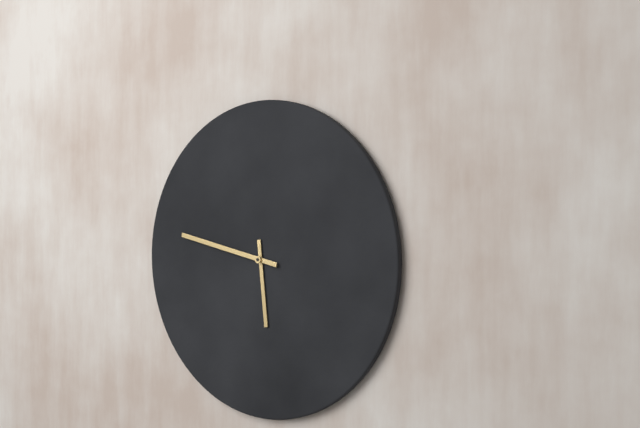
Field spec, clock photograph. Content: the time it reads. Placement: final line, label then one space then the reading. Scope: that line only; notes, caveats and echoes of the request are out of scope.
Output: 5:47
